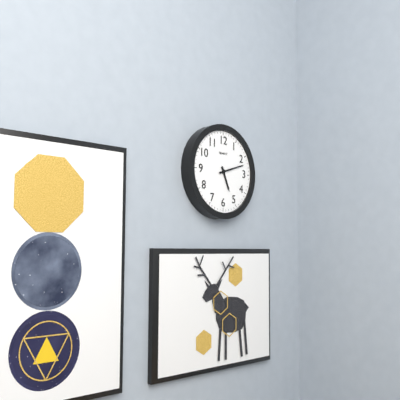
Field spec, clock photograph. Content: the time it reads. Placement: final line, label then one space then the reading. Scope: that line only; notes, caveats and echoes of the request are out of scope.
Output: 5:12
